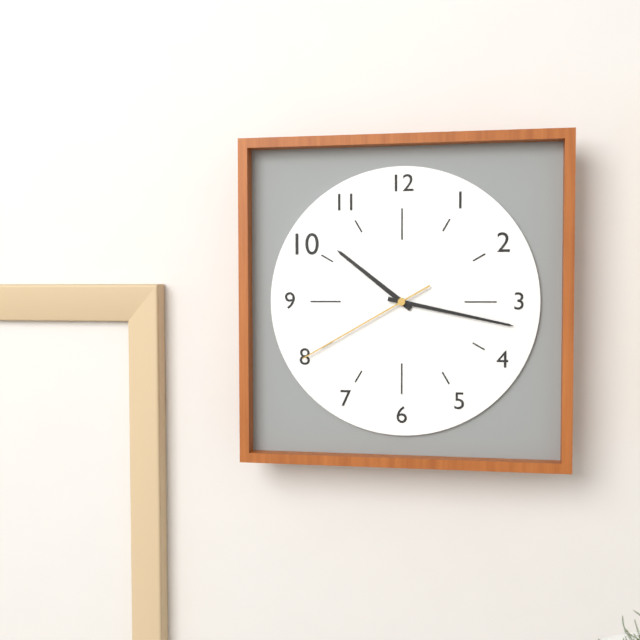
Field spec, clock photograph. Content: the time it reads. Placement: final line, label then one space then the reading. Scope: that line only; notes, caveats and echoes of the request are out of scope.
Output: 10:17:40
